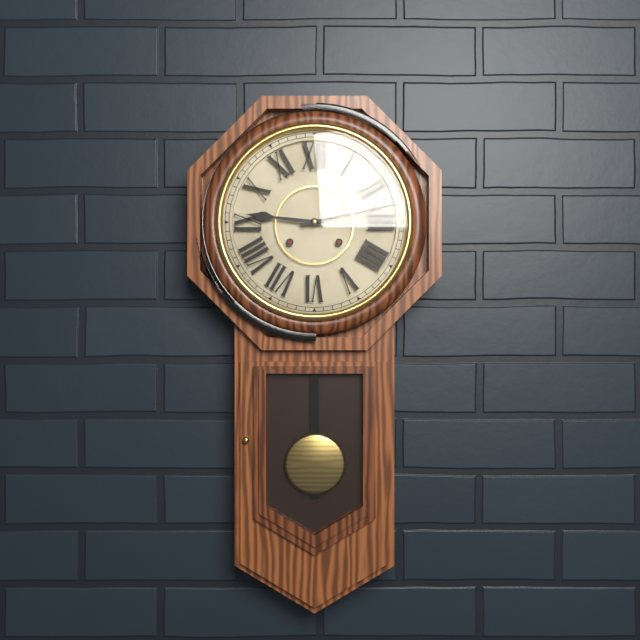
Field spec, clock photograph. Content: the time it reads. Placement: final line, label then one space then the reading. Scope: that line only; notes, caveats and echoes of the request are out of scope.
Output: 9:13
